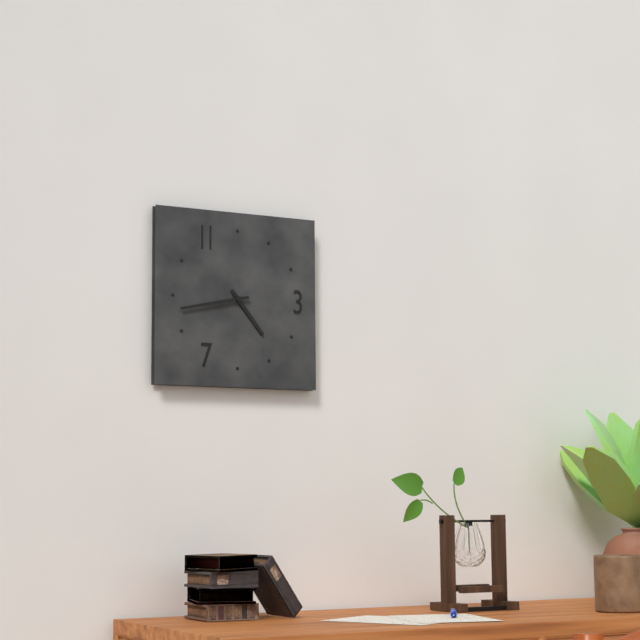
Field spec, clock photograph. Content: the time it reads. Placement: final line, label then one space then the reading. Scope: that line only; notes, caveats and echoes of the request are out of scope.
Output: 4:43
